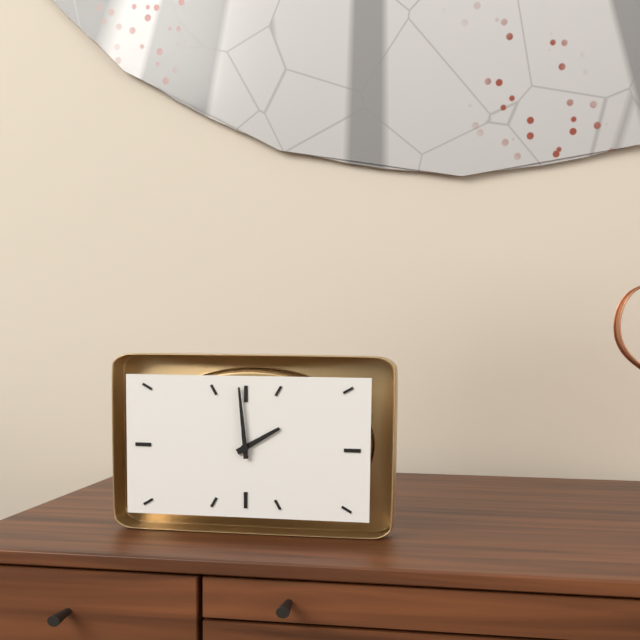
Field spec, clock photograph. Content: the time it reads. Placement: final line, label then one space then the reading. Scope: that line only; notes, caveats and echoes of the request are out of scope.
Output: 1:59
